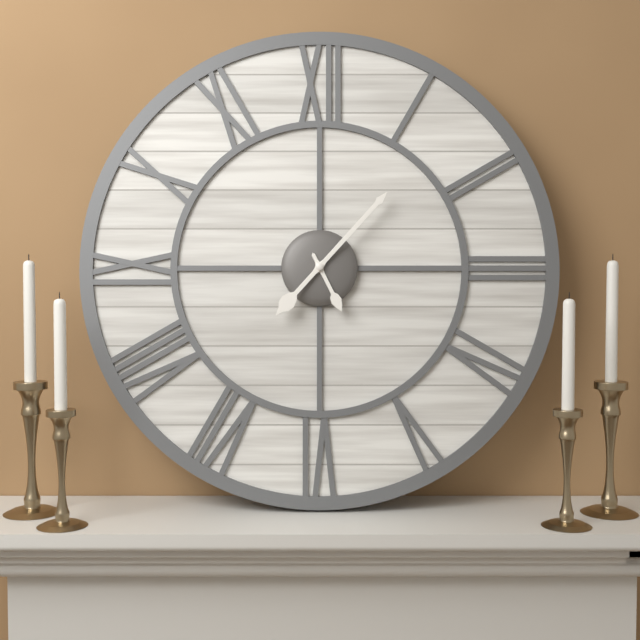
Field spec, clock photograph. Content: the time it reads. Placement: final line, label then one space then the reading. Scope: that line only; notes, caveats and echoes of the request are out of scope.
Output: 5:07
